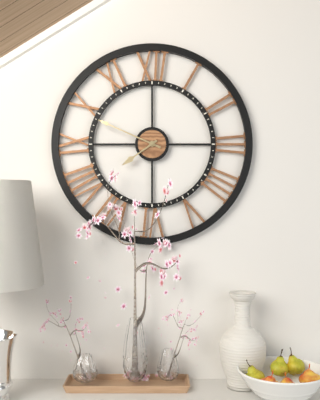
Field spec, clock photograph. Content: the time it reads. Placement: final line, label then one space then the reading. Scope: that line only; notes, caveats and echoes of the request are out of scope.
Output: 7:49
